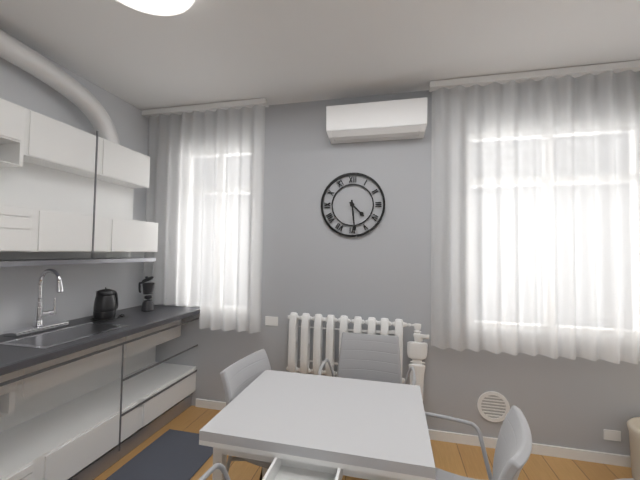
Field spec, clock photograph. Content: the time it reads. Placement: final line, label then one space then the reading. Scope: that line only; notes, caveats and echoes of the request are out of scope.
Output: 4:29
